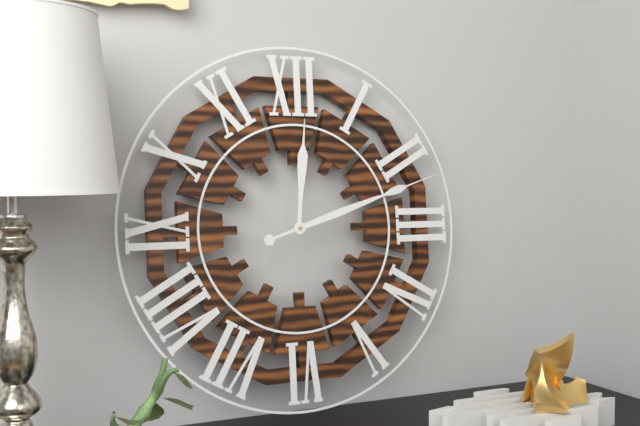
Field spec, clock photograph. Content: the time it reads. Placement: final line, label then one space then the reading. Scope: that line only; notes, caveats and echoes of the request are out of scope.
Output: 12:12
